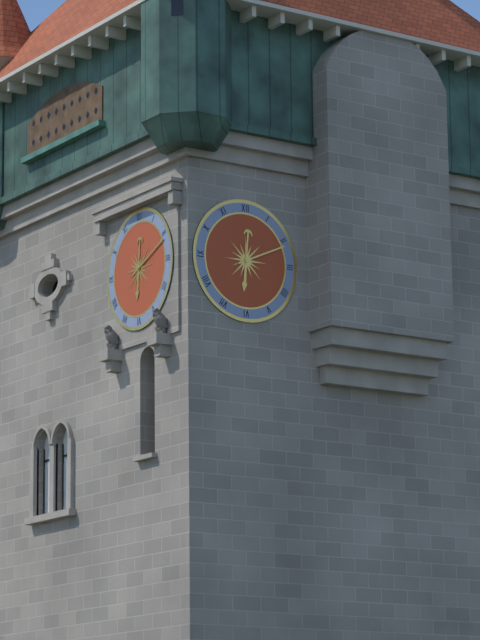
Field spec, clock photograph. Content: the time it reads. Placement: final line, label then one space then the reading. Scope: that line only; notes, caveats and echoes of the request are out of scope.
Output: 6:11
